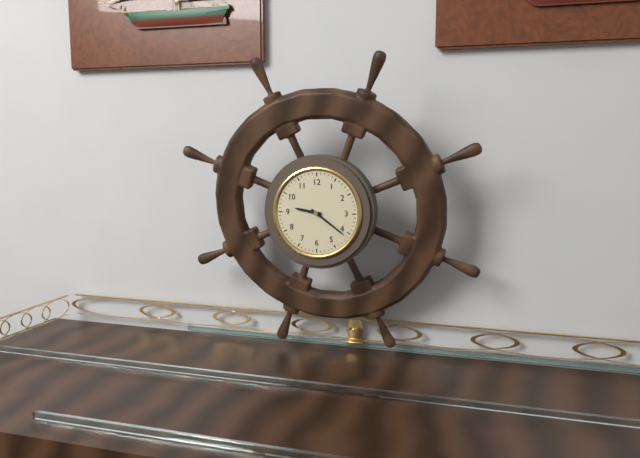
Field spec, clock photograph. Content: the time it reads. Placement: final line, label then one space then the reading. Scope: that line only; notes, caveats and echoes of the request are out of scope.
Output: 9:21
